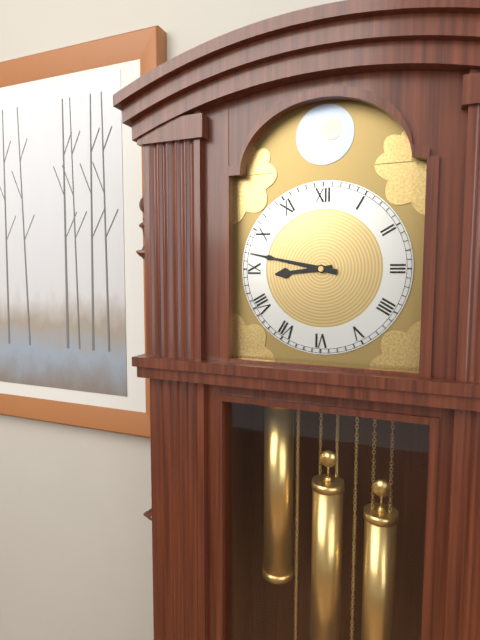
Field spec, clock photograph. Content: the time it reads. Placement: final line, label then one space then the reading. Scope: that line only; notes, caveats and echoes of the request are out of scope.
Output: 8:47
